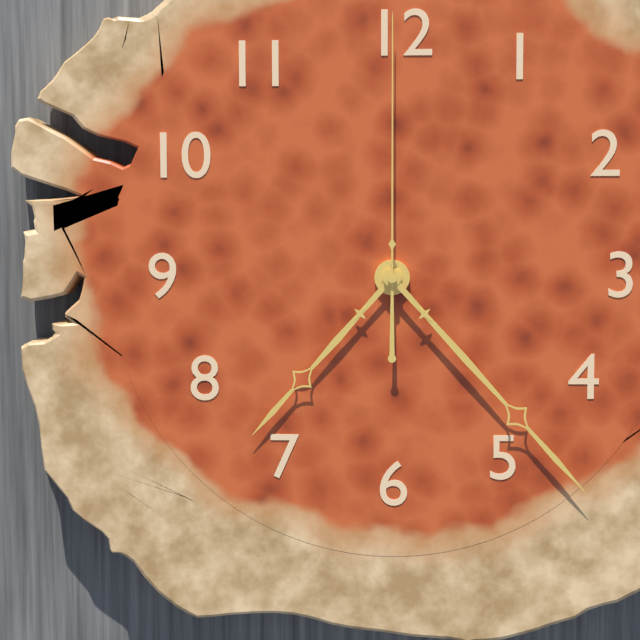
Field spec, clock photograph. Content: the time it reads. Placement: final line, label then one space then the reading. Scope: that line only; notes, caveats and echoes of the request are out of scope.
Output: 7:23:00
